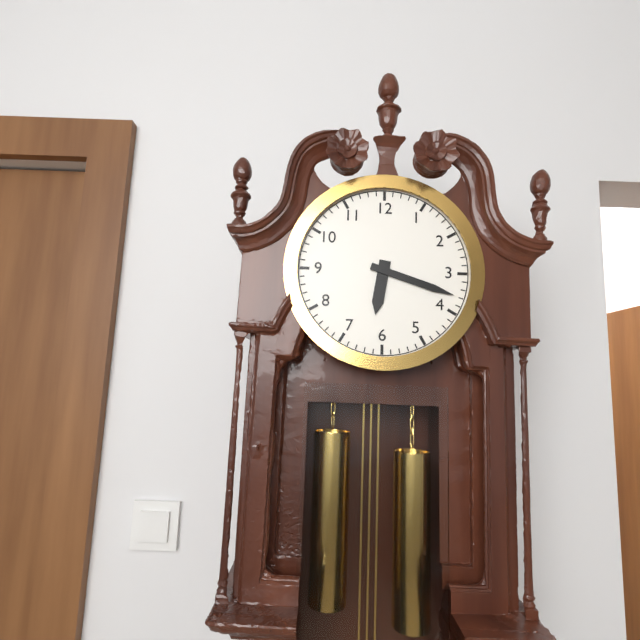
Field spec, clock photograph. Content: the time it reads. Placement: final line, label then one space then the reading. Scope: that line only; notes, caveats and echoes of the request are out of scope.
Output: 6:18
